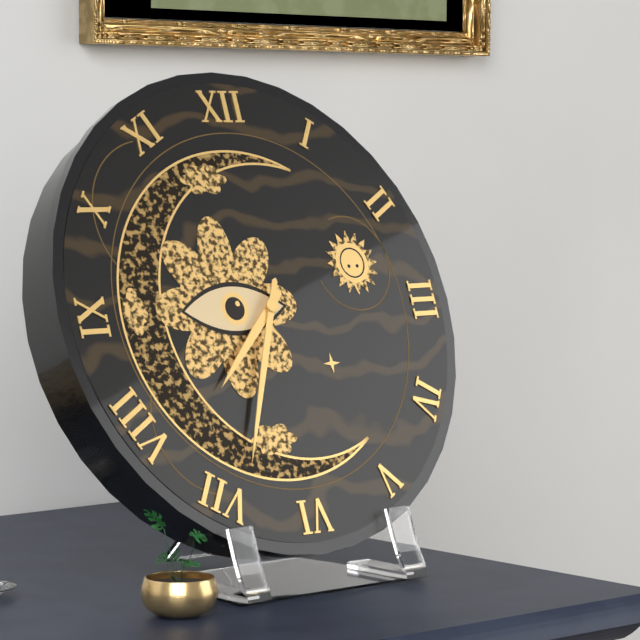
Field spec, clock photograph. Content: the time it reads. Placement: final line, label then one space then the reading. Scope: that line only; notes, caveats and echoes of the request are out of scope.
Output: 7:34
